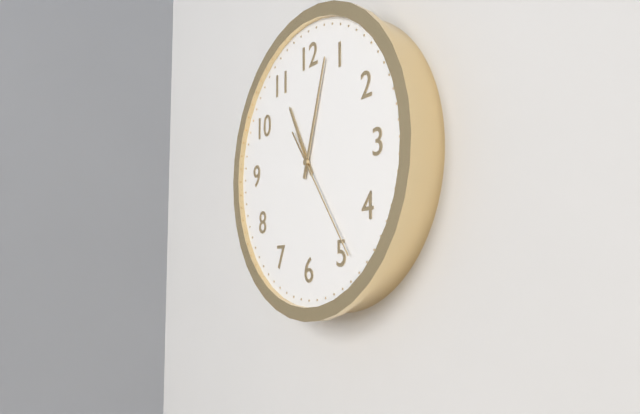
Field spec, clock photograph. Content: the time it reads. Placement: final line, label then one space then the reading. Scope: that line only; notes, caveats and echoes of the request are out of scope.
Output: 11:03:24
